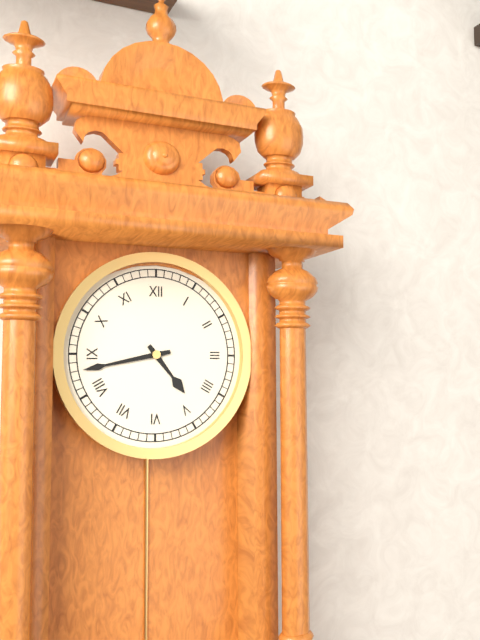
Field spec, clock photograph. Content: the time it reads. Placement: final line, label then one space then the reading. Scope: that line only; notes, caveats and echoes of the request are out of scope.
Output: 4:43
